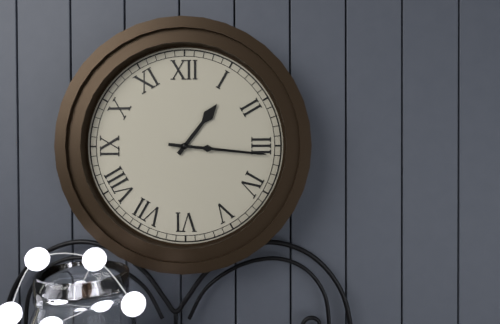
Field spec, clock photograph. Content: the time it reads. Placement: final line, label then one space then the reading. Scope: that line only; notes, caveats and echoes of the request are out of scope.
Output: 1:16
